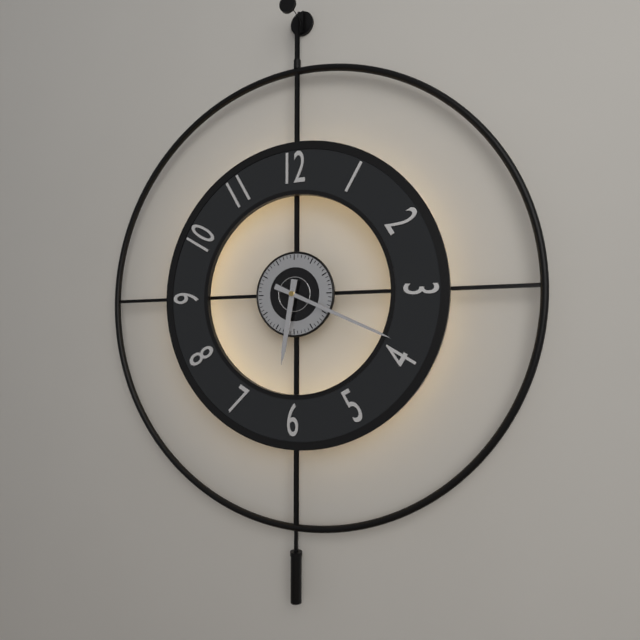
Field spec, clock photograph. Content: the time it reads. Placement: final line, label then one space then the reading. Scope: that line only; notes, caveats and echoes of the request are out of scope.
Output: 6:19
